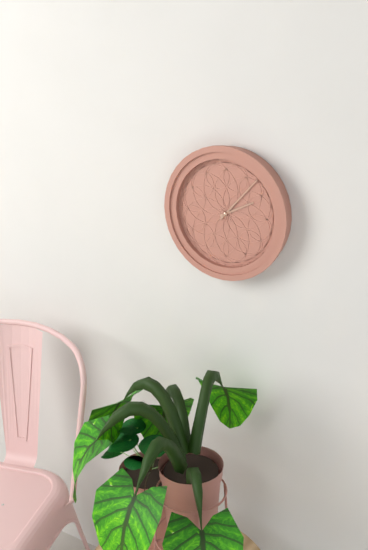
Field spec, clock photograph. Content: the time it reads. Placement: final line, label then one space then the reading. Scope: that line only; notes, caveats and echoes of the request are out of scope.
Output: 2:07
